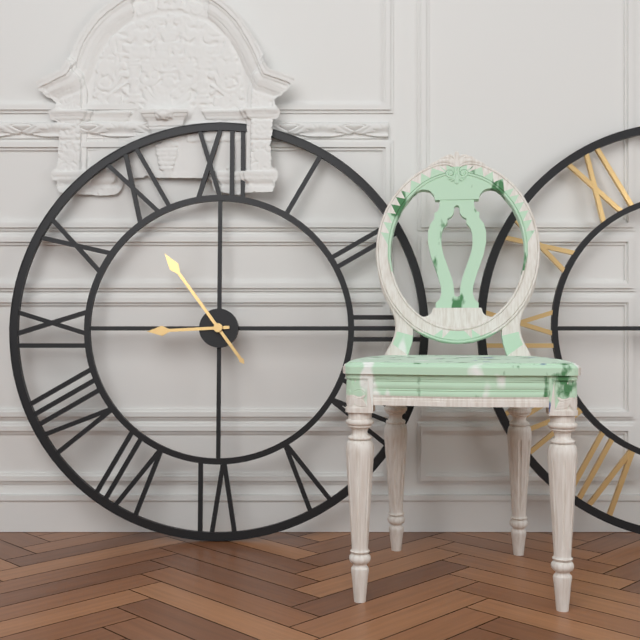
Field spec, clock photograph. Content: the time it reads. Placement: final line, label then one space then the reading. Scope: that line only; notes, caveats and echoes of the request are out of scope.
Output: 8:54
